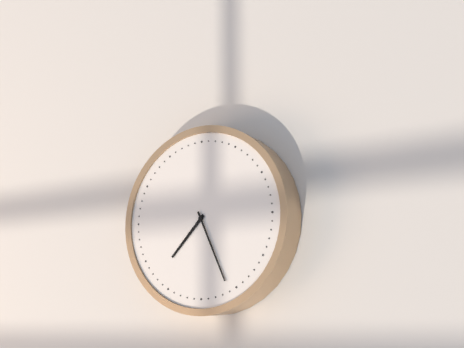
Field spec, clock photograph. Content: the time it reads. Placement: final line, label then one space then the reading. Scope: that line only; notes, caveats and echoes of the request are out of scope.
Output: 7:26
